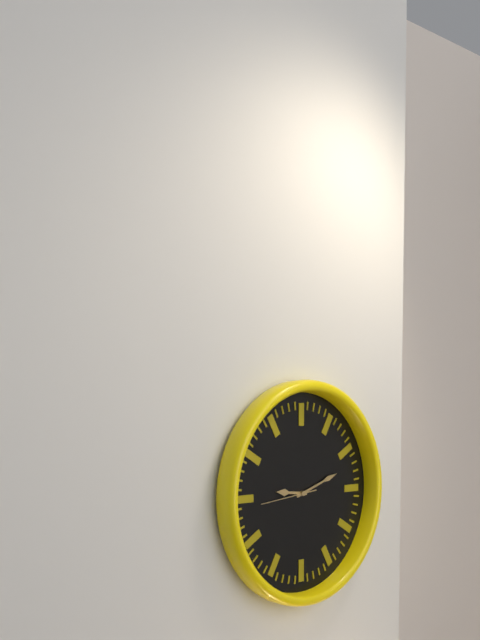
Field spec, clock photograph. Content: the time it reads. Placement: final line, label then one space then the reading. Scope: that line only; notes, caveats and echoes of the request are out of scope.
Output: 9:12
